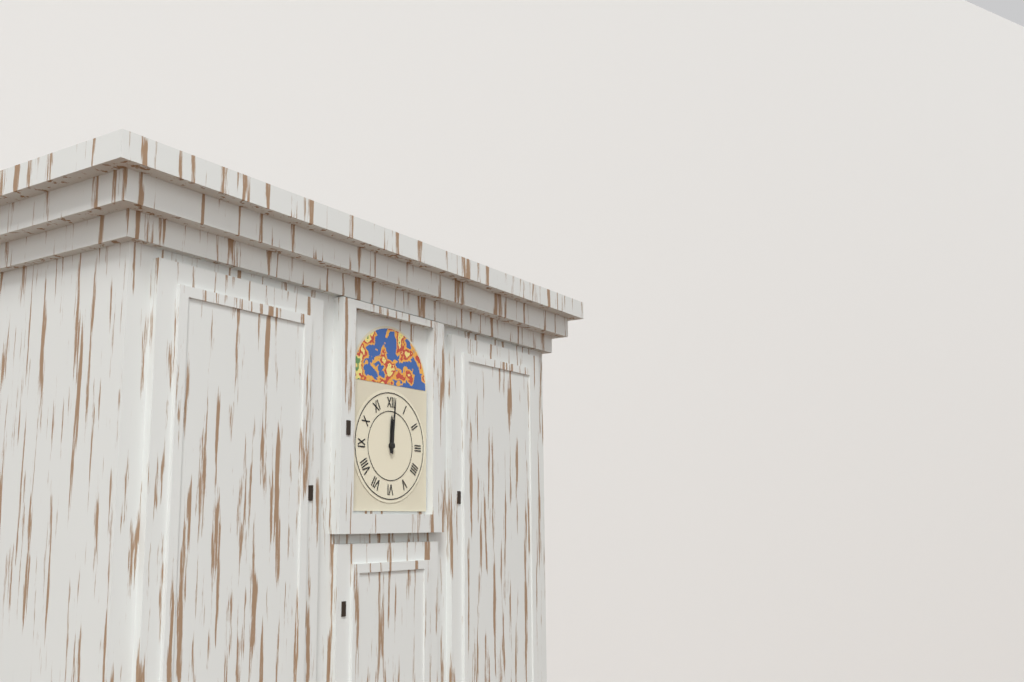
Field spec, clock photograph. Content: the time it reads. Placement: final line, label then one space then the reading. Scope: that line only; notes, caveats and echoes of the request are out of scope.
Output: 12:01
